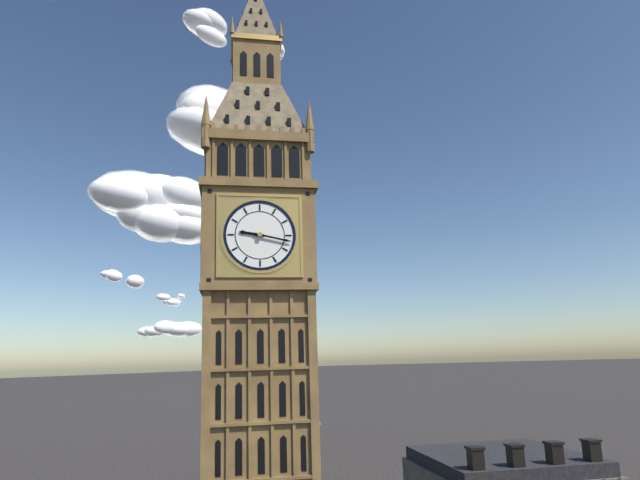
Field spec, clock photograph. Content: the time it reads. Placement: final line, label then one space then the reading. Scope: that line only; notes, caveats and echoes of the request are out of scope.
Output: 9:17
